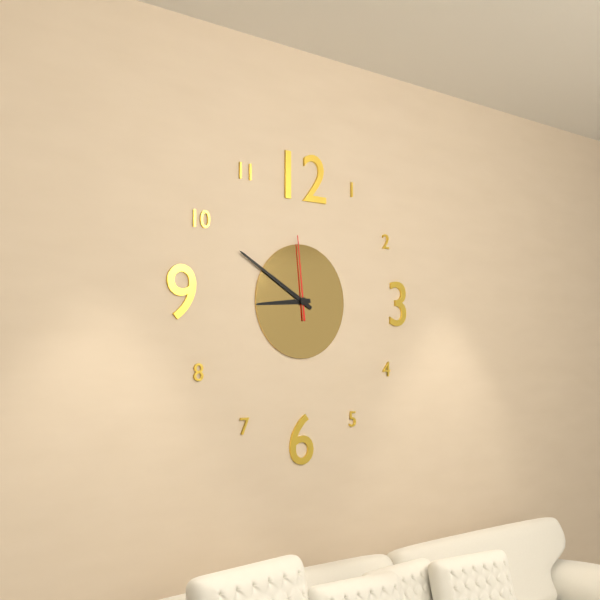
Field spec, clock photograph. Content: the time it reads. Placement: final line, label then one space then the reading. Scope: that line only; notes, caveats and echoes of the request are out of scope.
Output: 8:50:59
